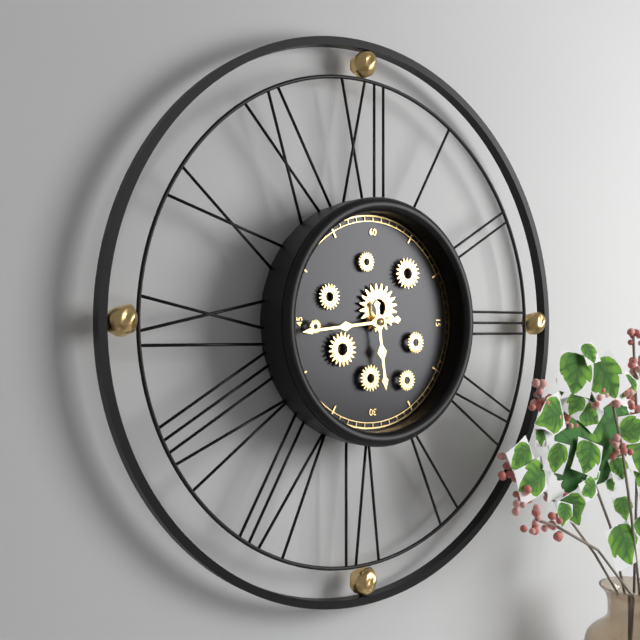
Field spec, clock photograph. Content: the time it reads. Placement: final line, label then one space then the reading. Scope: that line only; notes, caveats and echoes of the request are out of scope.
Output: 5:44
